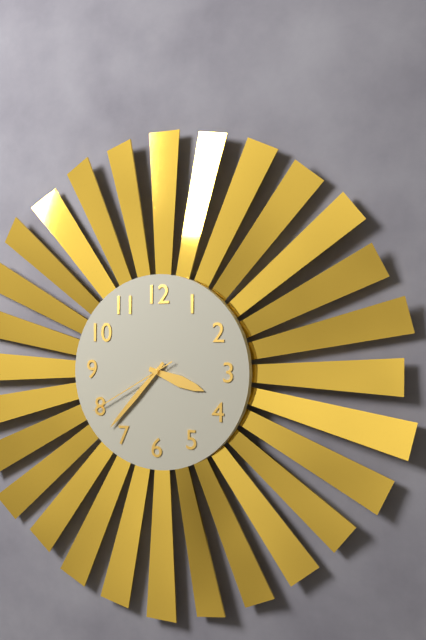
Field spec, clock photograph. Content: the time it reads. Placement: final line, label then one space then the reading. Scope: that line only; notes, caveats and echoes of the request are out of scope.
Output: 3:37:40
